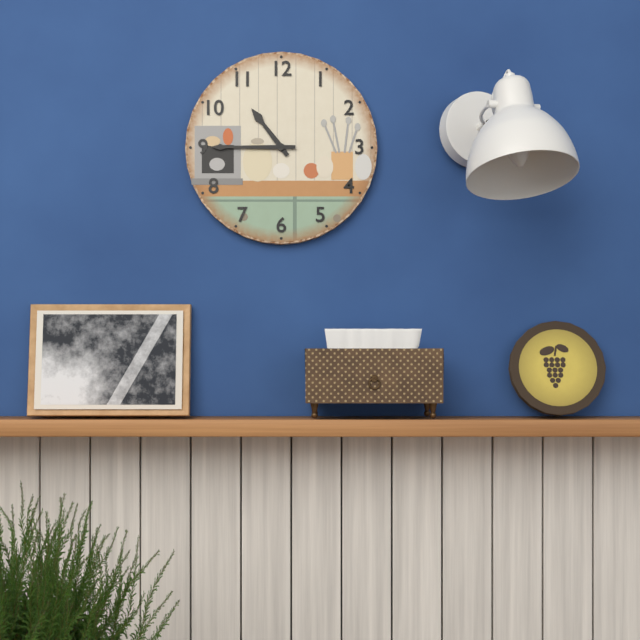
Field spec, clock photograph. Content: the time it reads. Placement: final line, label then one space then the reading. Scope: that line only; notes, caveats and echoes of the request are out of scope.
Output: 10:45
